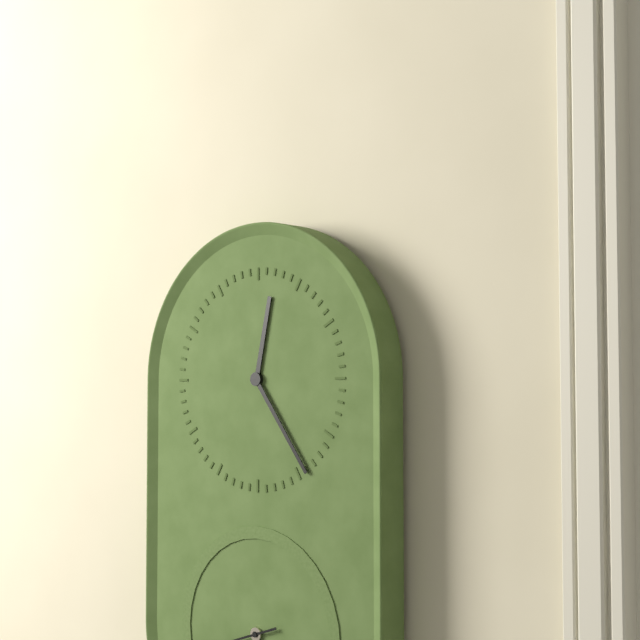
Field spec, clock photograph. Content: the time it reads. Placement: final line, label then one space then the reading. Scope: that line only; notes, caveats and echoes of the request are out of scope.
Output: 12:24
